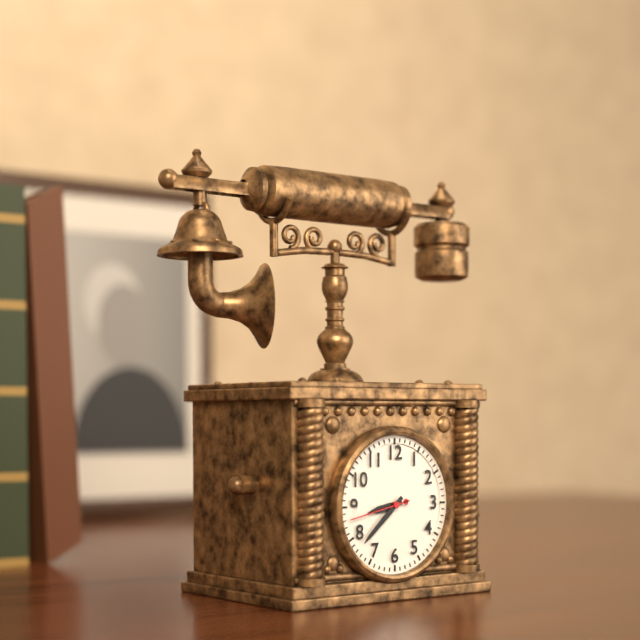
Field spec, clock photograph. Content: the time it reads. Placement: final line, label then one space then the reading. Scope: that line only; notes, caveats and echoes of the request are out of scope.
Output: 8:38:43
